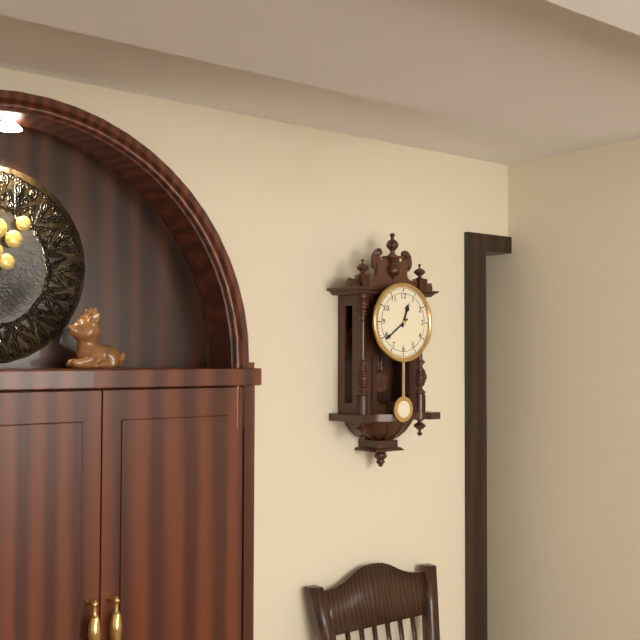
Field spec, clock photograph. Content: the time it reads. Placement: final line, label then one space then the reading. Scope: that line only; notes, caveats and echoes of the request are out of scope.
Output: 12:39
